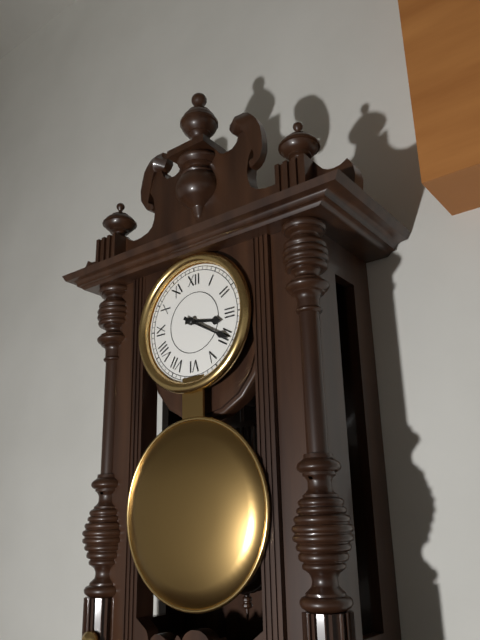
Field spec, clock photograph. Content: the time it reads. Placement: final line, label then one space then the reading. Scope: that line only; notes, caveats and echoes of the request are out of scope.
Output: 3:20
